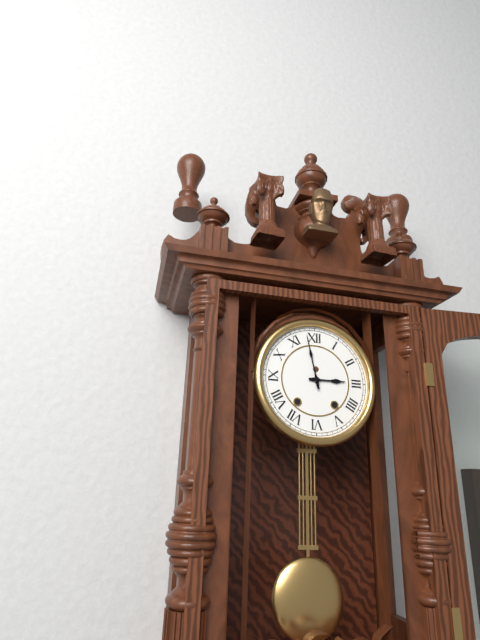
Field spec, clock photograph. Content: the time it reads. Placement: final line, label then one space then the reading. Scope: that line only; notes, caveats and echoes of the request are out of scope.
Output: 2:58
